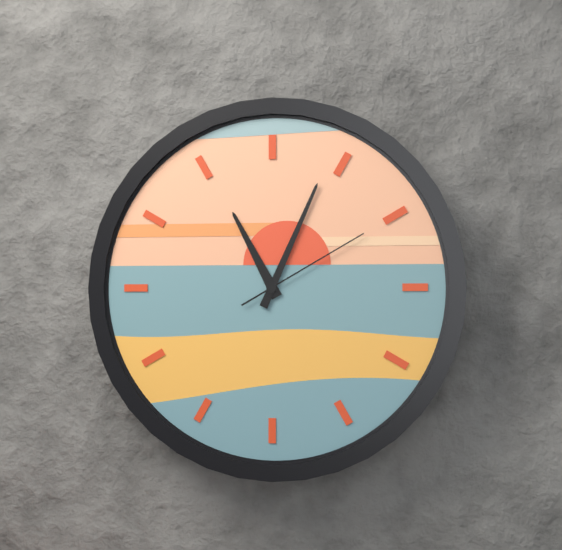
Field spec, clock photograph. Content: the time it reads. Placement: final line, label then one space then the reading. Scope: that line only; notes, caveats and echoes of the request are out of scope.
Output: 11:04:10
